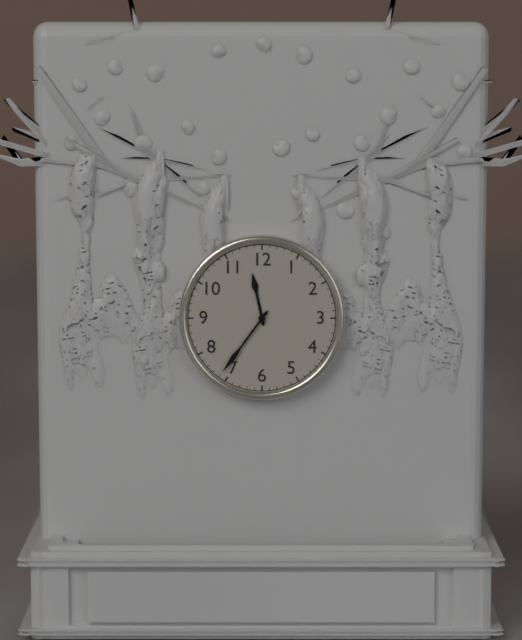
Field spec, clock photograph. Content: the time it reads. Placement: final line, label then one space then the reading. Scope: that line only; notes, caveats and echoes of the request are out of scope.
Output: 11:36
